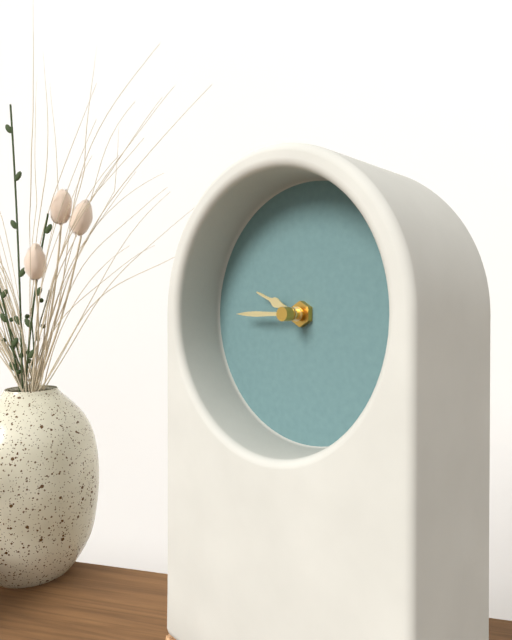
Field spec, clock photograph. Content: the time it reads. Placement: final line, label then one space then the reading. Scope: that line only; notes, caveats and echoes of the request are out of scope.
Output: 9:45
